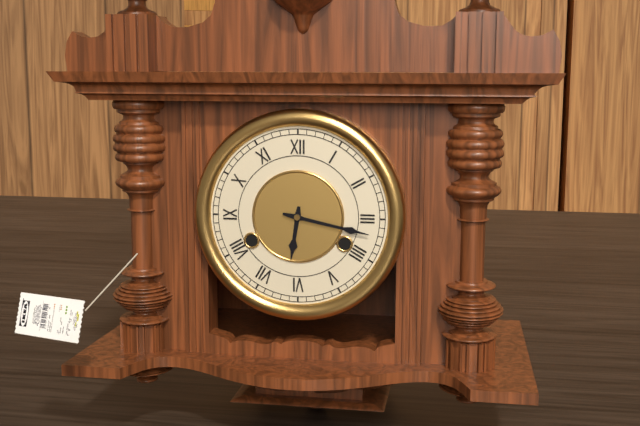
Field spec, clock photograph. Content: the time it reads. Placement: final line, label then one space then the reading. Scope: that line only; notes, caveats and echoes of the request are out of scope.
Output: 6:17
